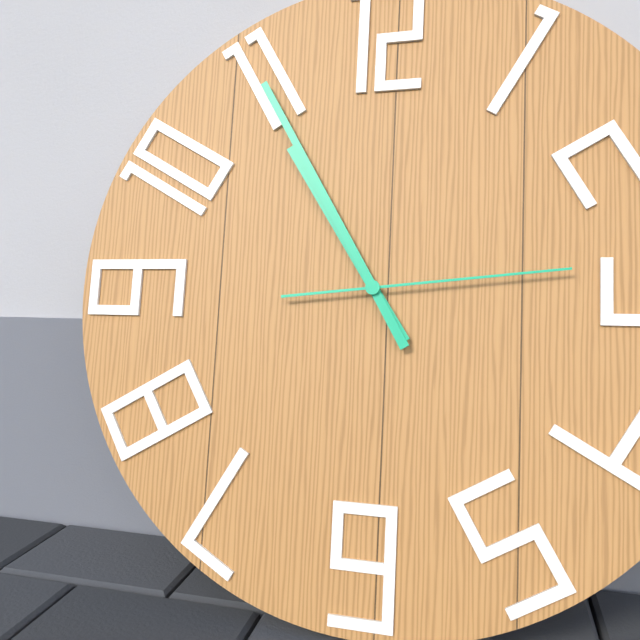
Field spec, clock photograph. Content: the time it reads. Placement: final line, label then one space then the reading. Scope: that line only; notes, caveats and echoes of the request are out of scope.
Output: 10:55:14
